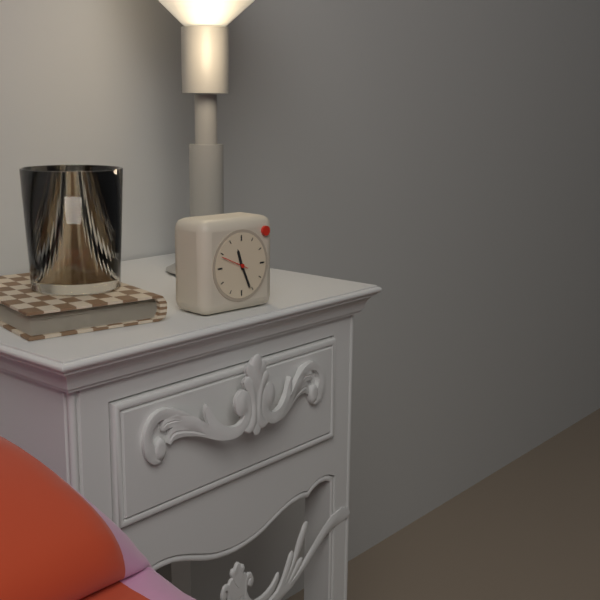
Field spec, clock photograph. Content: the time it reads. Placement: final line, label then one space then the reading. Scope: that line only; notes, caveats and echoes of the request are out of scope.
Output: 11:26
